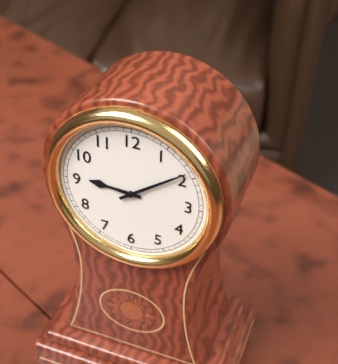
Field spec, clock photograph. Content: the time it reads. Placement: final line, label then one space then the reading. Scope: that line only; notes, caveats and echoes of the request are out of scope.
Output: 9:09
